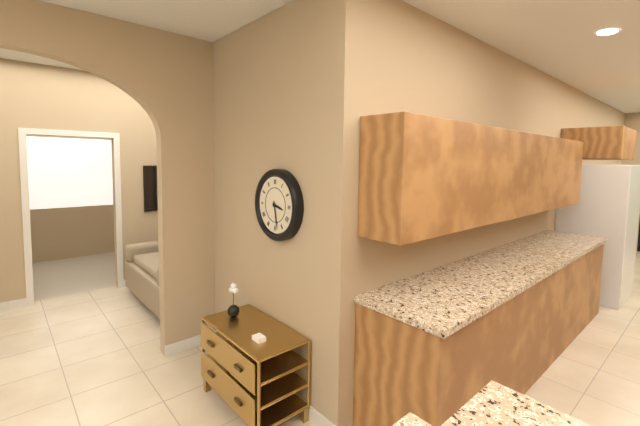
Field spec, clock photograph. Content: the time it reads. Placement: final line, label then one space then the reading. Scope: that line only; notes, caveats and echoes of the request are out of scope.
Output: 3:28
